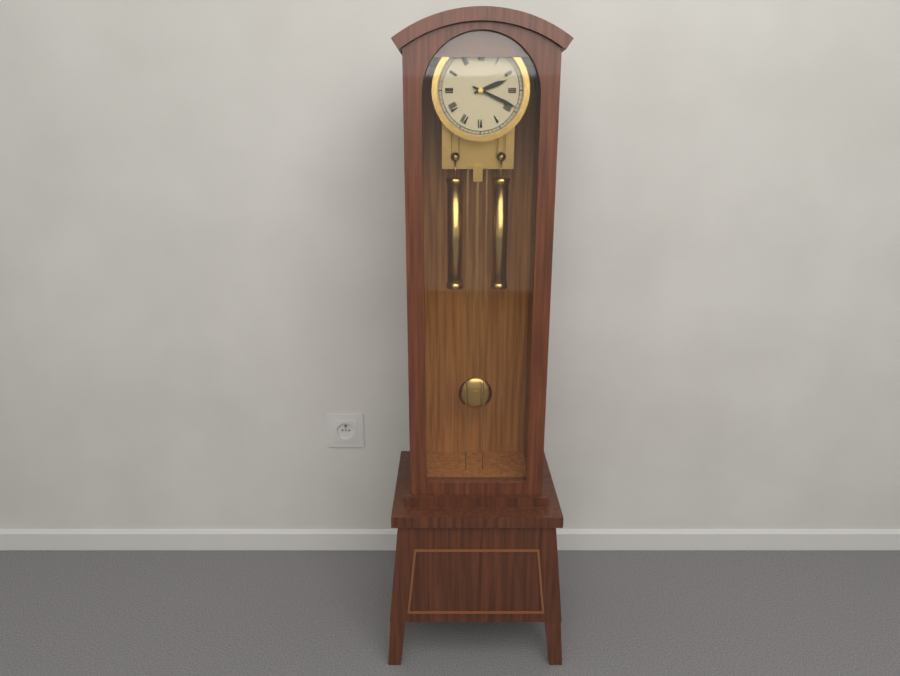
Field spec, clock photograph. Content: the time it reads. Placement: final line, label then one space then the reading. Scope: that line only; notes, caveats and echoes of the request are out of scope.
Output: 2:19
